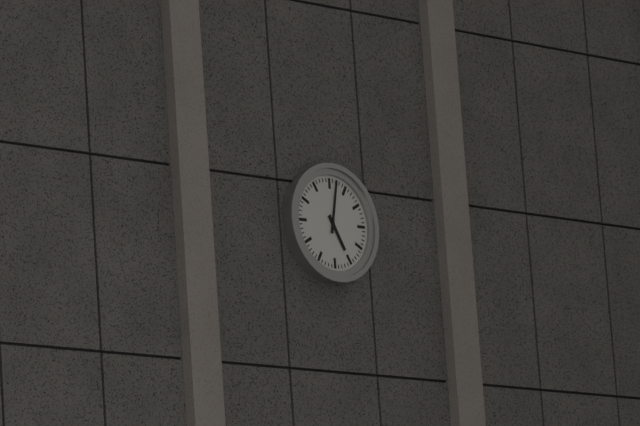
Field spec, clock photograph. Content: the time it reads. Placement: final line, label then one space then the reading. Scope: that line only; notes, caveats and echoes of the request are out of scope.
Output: 5:02
